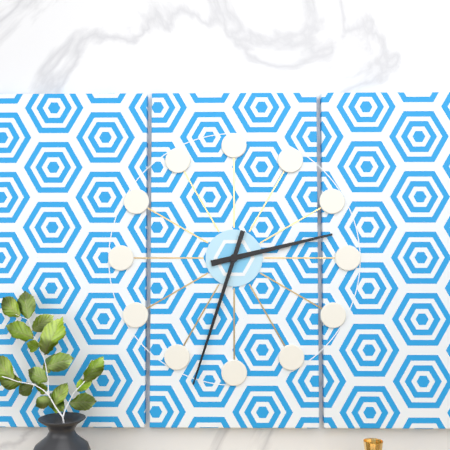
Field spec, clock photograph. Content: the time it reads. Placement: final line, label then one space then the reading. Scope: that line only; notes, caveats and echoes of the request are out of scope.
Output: 2:33
